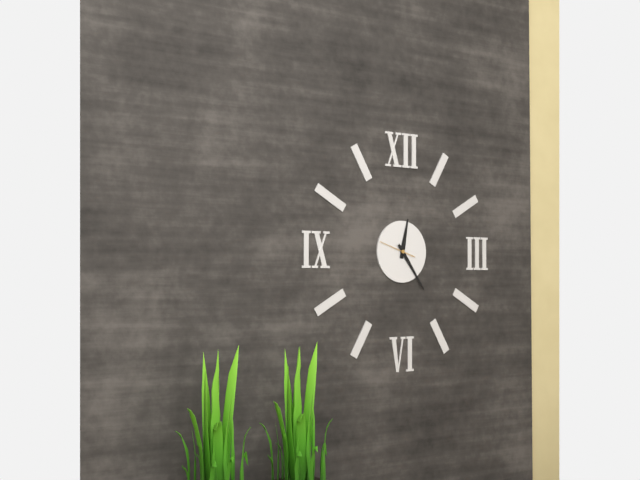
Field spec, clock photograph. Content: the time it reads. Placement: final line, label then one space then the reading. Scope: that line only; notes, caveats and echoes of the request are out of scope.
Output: 12:24
